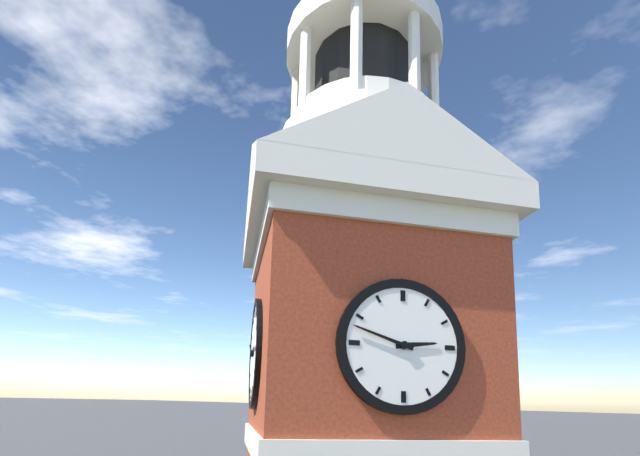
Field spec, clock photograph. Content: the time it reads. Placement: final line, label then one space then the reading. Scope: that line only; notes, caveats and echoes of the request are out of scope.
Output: 2:48
